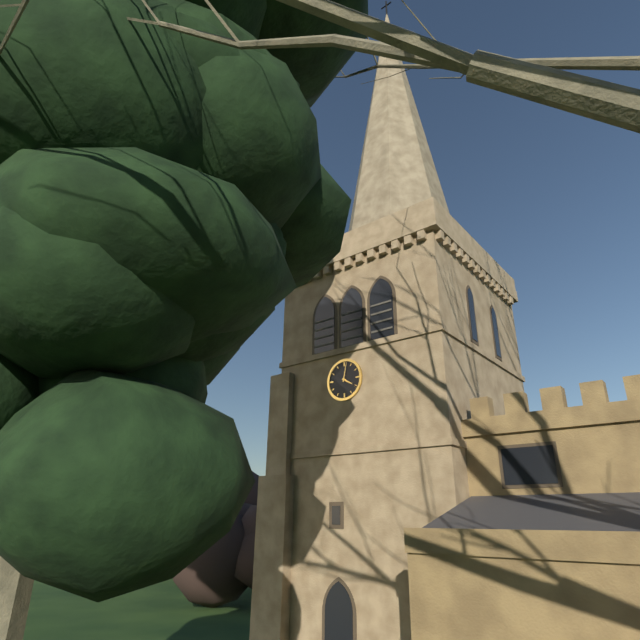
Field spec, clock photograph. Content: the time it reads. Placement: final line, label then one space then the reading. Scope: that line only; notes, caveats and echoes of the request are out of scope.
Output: 4:02
